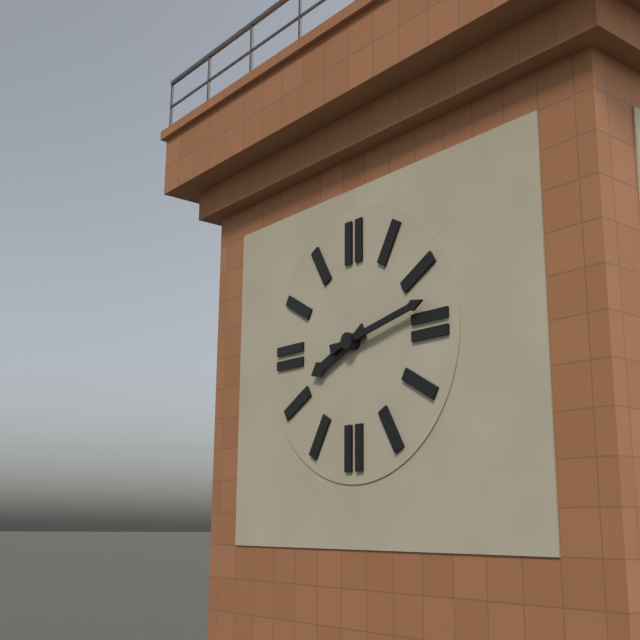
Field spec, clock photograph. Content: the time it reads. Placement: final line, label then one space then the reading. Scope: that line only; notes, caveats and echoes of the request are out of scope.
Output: 8:13
